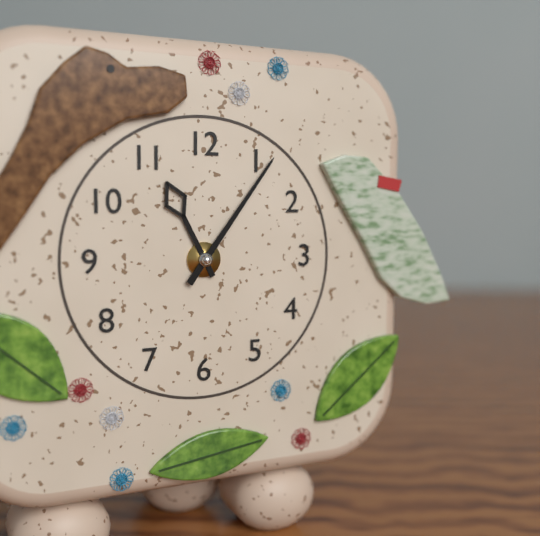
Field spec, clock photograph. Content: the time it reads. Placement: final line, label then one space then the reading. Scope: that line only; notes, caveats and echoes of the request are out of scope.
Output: 11:06
